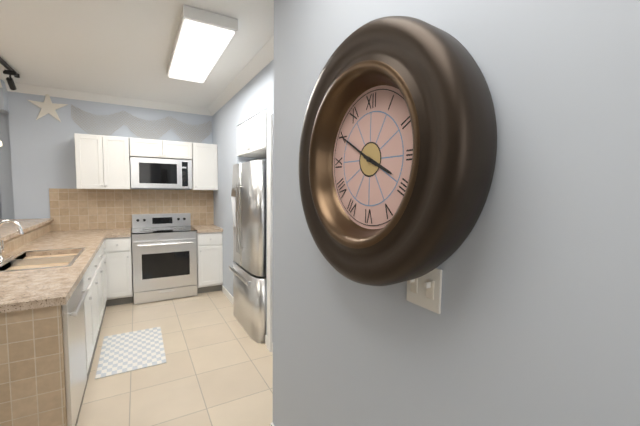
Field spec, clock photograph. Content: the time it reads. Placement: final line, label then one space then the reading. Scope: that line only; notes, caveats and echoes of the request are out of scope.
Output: 3:50
